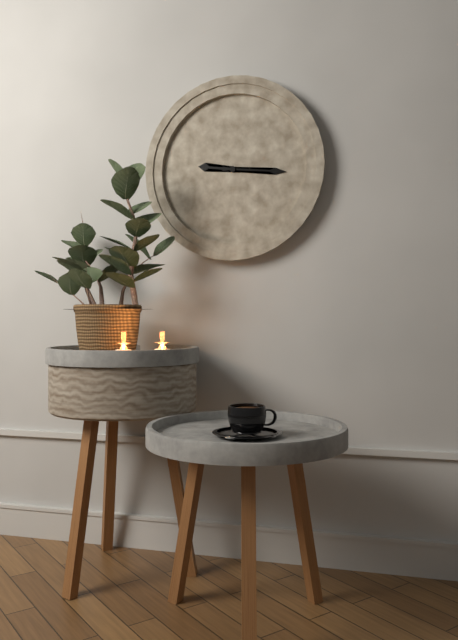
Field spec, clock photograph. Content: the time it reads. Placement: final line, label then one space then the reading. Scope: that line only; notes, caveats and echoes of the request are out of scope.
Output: 9:16
